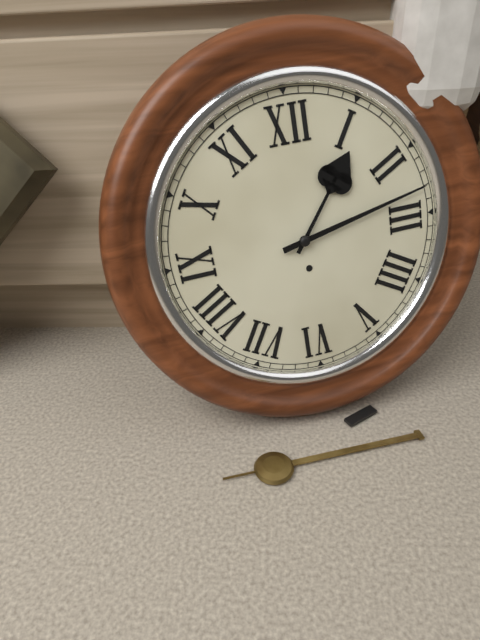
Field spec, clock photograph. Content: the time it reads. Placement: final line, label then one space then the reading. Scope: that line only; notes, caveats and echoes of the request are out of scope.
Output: 1:13
